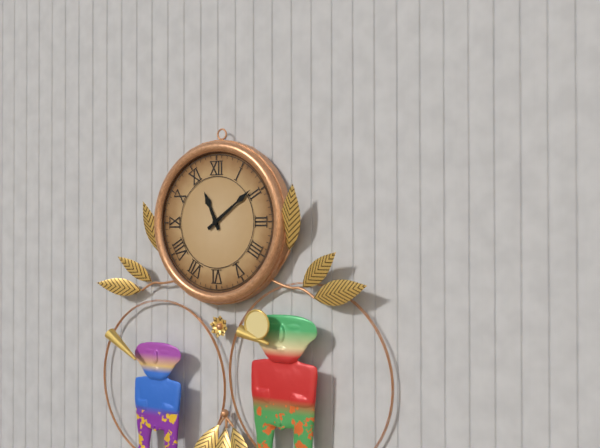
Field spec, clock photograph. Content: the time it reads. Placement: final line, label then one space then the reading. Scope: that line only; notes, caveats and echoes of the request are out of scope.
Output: 11:09
